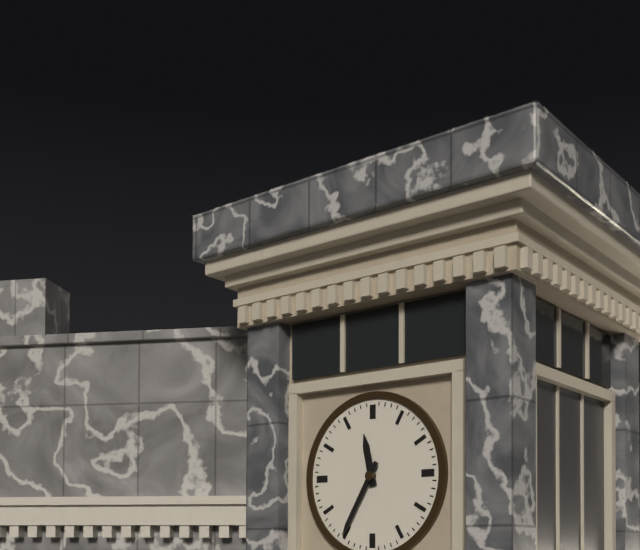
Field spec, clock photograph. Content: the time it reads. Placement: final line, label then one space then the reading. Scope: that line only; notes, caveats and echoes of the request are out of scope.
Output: 11:35
